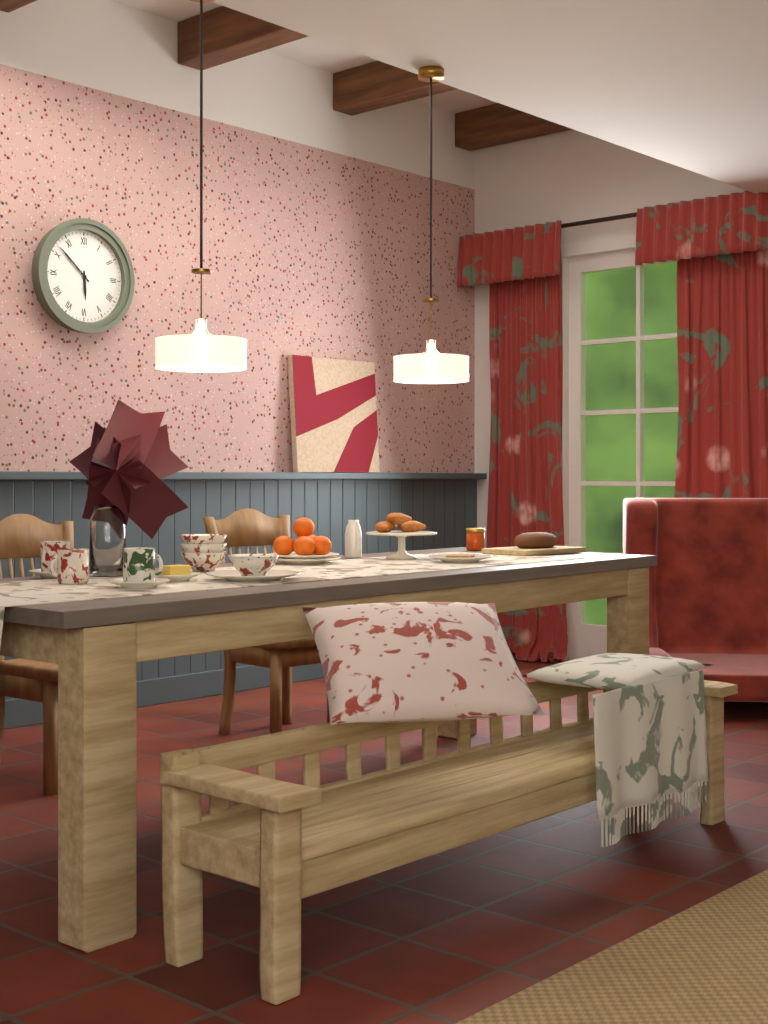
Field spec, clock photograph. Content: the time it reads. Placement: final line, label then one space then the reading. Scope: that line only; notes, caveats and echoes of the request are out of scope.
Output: 5:52
